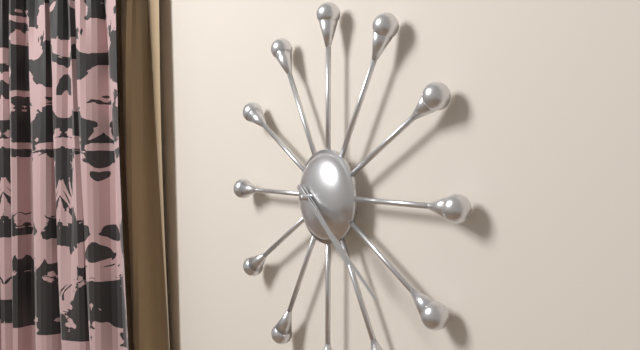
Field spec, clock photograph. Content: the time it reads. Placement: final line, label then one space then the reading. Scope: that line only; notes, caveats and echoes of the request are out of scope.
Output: 4:21
